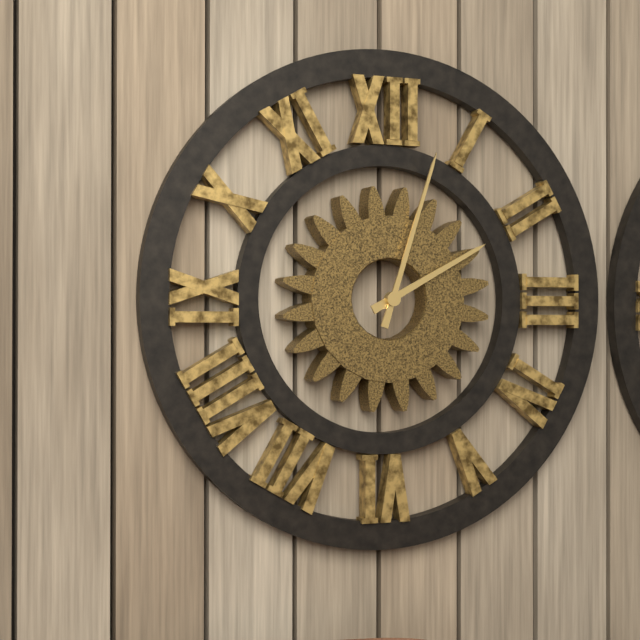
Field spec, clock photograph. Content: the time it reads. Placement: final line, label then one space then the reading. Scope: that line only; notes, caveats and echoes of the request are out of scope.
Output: 2:03
